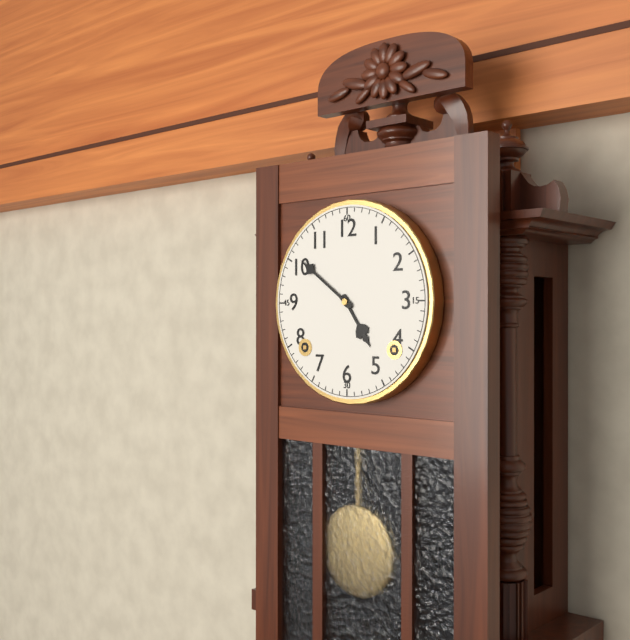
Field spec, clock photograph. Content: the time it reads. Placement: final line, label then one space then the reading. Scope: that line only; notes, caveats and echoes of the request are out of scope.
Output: 4:51
